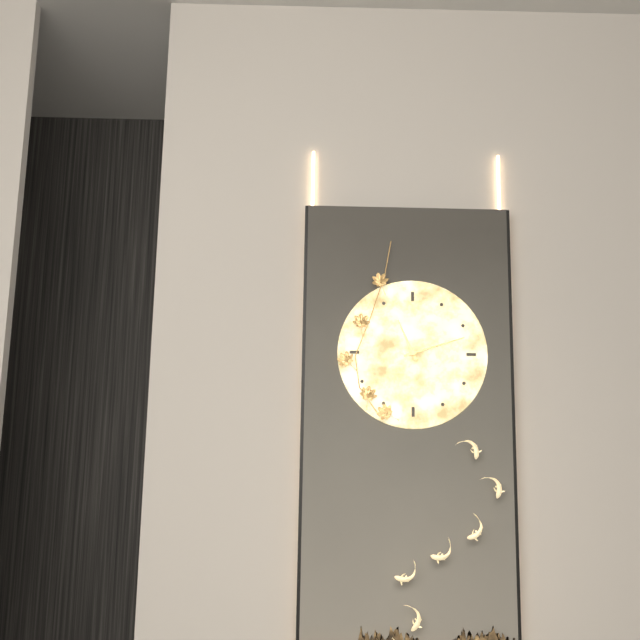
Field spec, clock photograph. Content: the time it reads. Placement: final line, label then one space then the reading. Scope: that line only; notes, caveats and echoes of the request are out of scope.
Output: 11:12
